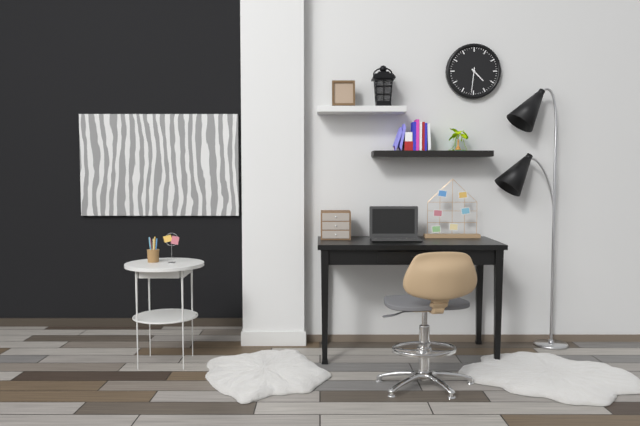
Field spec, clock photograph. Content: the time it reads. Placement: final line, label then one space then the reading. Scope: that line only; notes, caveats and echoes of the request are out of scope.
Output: 4:31
